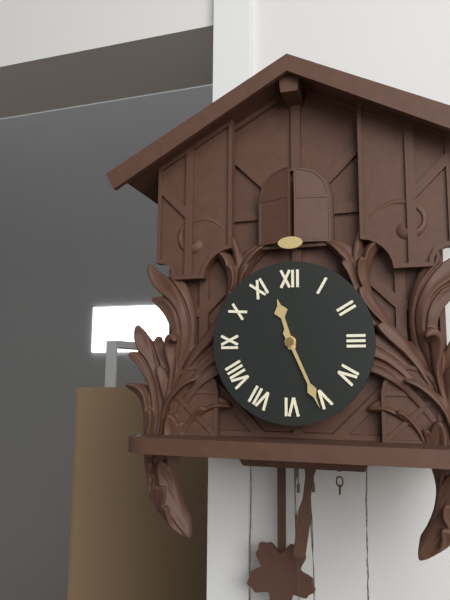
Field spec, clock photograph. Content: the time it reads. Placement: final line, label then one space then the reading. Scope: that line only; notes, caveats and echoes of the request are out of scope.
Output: 11:26
